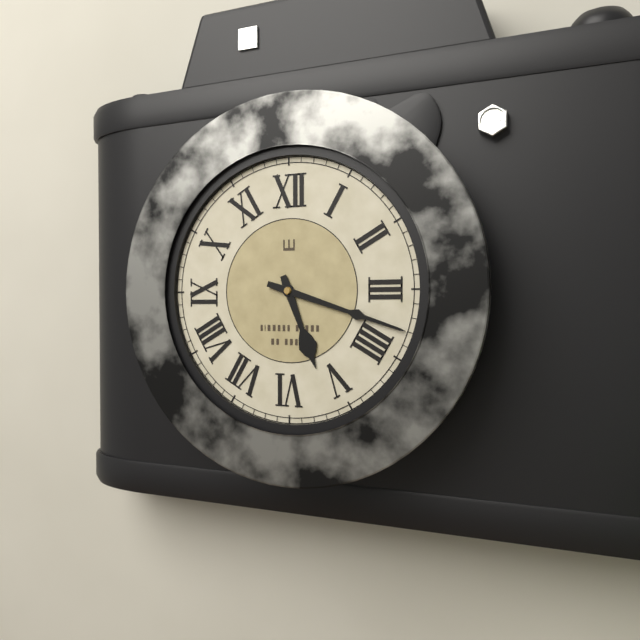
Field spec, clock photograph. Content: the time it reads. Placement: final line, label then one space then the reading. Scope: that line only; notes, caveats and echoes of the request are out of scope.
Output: 5:18
